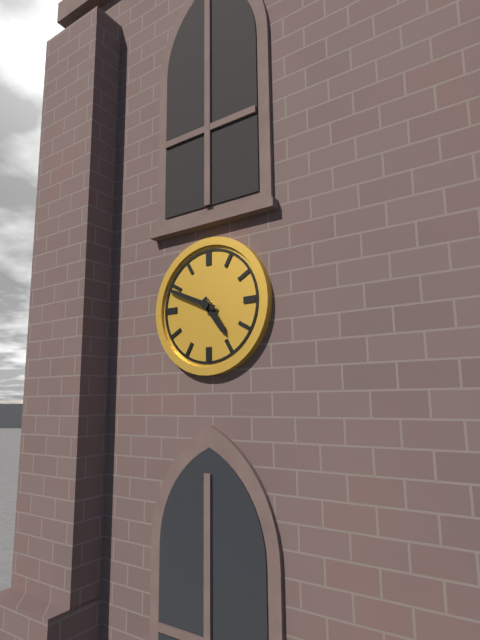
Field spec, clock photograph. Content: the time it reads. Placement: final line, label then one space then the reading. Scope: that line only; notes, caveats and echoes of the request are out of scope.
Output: 4:49
